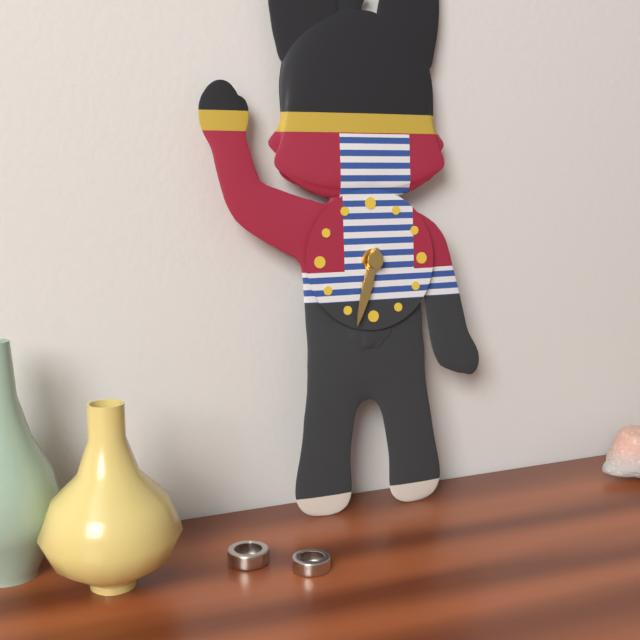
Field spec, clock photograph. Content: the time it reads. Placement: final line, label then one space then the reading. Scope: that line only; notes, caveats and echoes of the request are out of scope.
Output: 6:33
